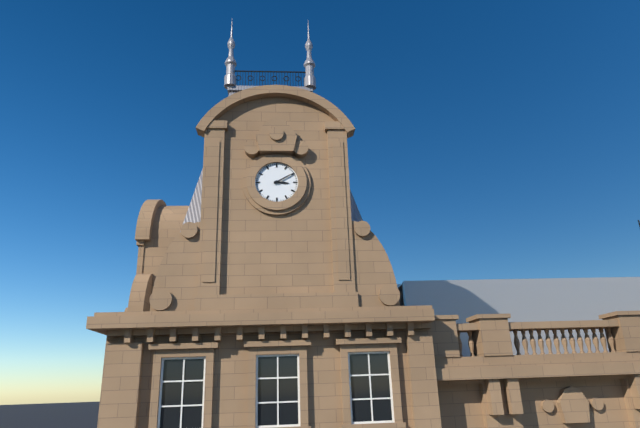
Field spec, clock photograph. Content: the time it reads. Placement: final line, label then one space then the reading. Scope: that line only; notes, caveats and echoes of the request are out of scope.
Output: 3:10
